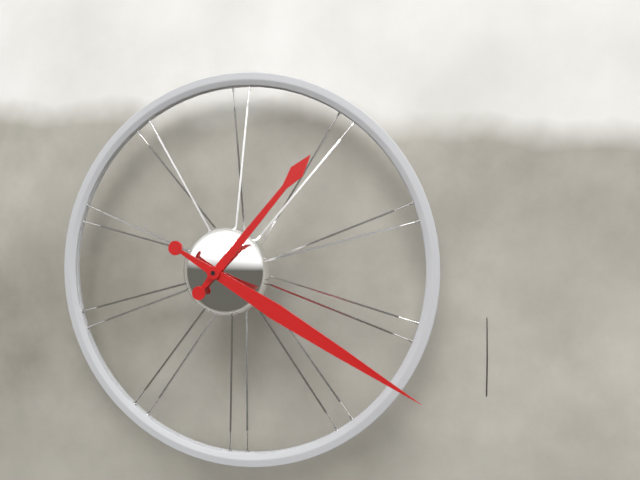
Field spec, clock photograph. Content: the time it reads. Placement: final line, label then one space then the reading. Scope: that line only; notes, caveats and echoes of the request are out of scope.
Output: 1:20
